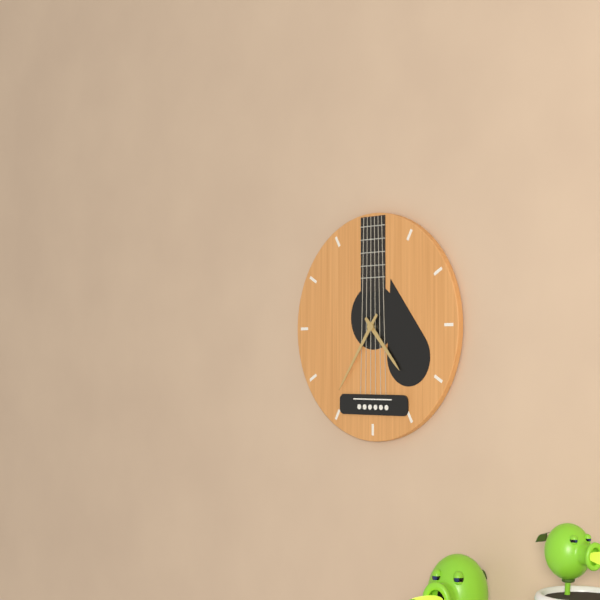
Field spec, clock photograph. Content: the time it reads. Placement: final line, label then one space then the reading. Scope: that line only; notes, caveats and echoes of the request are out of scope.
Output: 4:36
